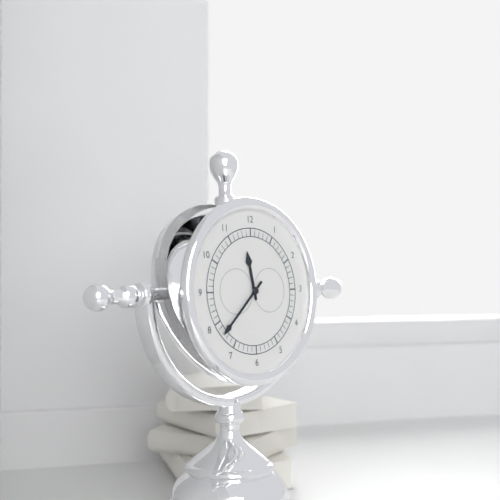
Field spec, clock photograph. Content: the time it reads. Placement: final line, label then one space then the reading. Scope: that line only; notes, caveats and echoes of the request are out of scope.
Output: 11:38
